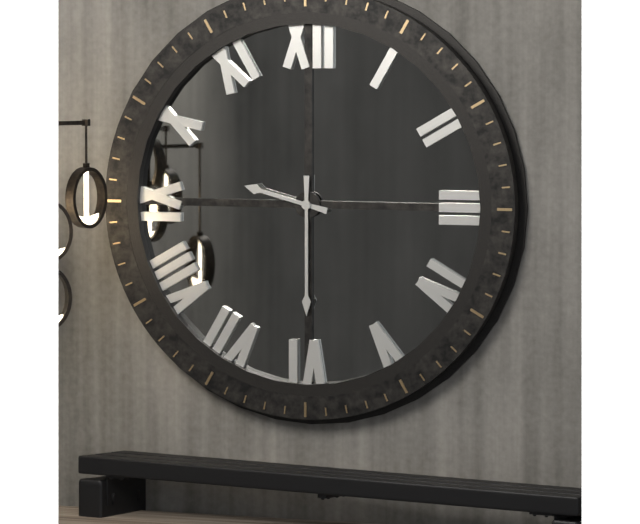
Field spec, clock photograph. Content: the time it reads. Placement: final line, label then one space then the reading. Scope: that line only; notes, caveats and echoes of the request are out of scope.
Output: 9:30
